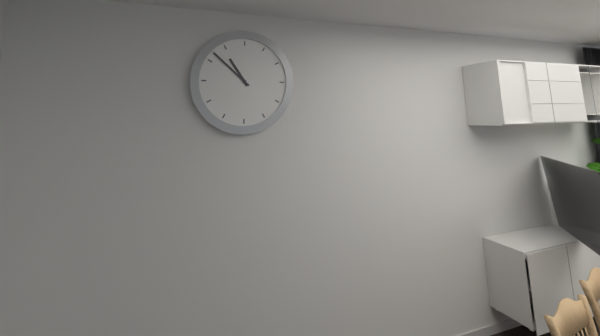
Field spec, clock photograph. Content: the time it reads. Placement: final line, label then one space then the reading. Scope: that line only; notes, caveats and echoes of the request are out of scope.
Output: 10:52
